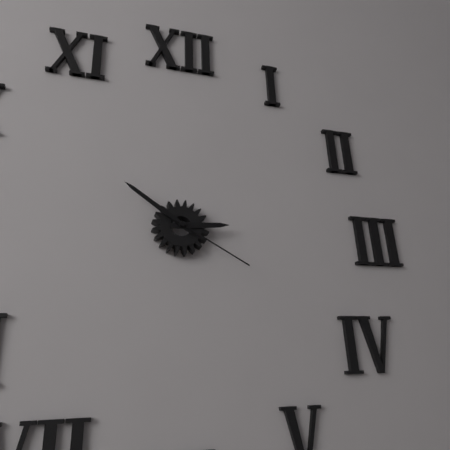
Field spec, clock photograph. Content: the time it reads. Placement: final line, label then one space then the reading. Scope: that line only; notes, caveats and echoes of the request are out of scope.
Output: 2:51:20
